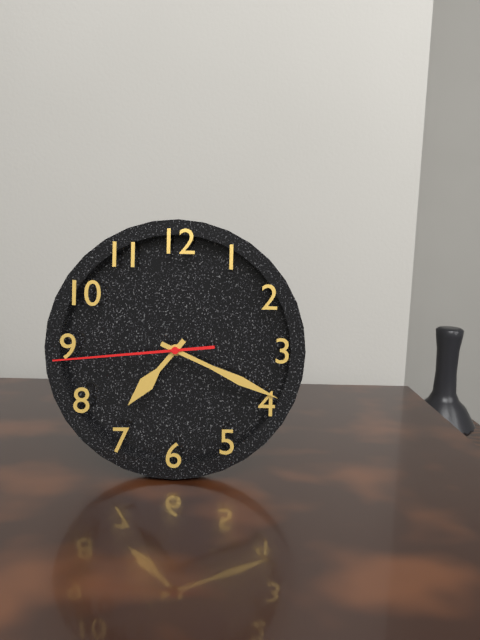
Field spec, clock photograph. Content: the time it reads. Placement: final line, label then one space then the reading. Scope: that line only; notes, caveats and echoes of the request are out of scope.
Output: 7:19:44
